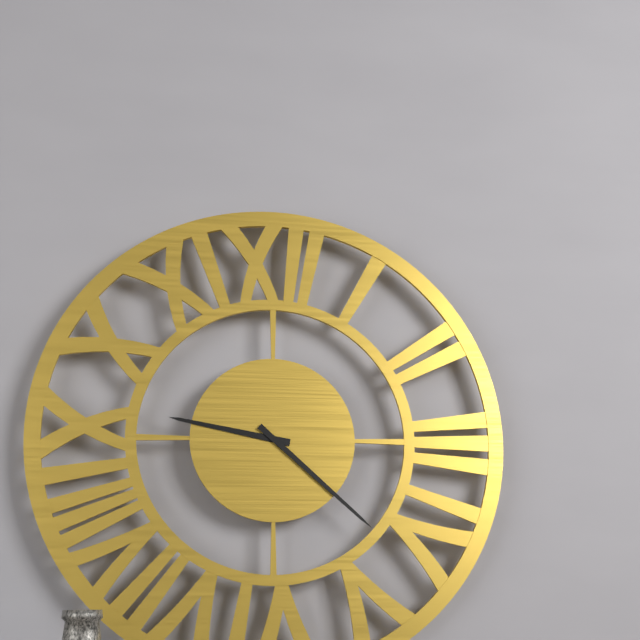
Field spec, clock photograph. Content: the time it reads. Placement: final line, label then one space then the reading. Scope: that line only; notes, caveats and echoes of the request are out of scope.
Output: 9:22
